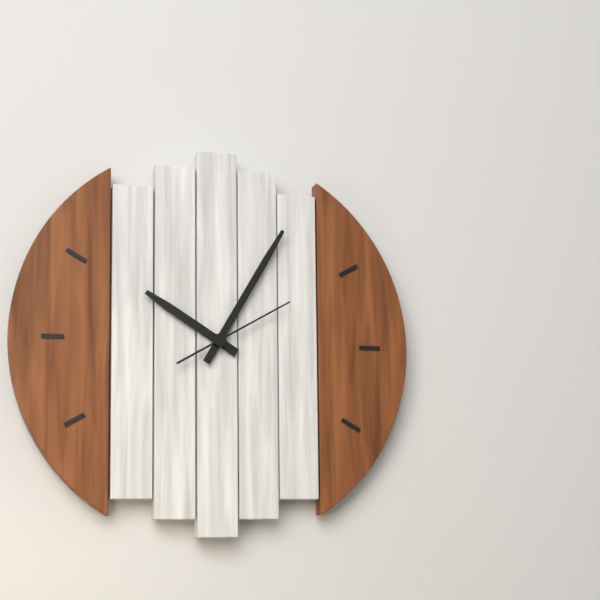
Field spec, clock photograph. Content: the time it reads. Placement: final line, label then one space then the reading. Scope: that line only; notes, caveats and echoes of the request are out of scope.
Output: 10:05:10
